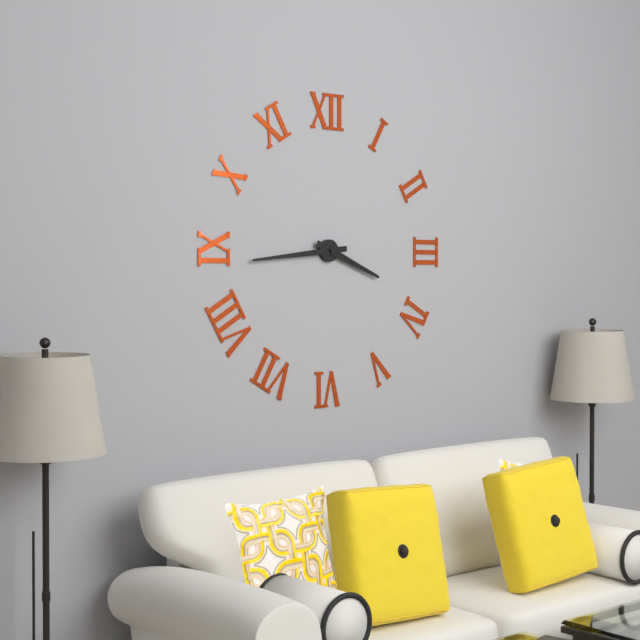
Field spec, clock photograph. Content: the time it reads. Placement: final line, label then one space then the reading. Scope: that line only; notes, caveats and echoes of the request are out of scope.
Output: 3:44
